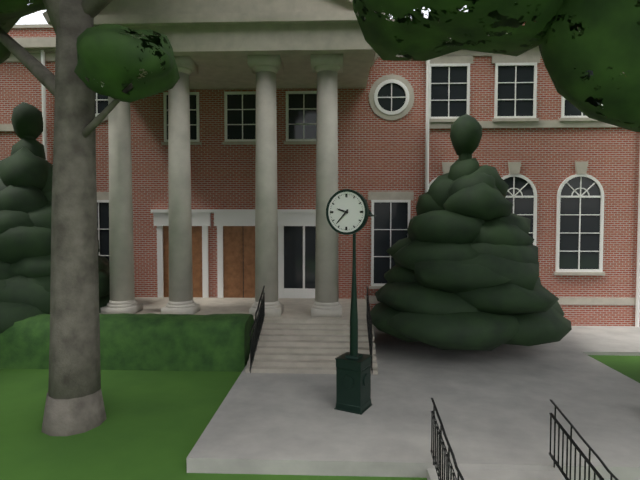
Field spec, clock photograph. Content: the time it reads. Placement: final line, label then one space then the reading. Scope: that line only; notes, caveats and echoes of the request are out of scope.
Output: 9:37
